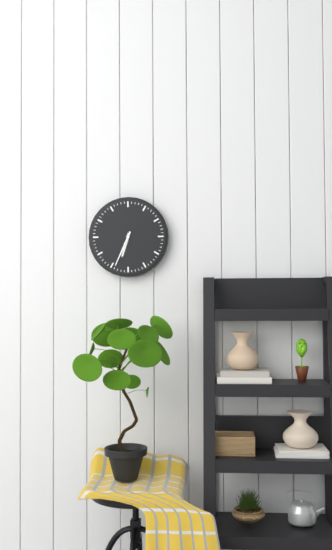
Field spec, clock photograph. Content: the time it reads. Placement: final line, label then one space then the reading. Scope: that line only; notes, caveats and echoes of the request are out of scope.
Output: 6:34
